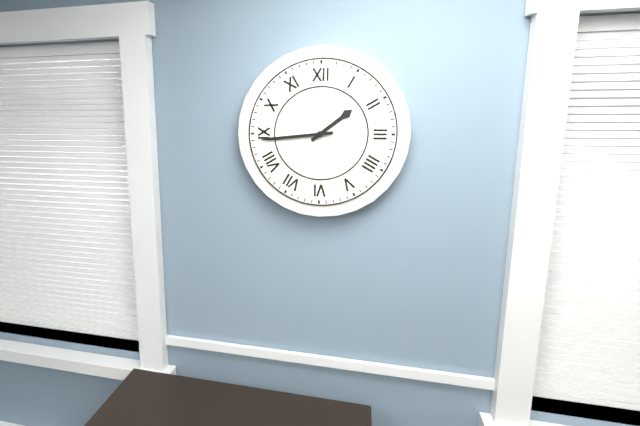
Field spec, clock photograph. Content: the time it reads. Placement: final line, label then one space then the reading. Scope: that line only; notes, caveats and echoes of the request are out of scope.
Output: 1:44
